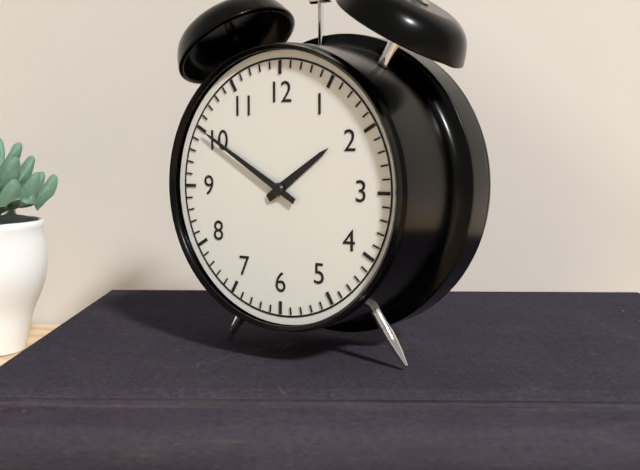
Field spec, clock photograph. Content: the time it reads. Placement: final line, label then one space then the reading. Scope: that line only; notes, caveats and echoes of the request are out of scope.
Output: 1:50
